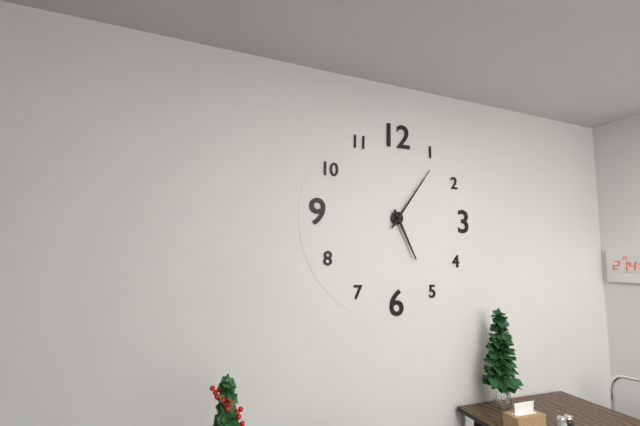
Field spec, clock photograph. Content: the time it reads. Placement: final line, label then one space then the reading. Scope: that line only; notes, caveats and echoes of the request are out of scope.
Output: 5:06
